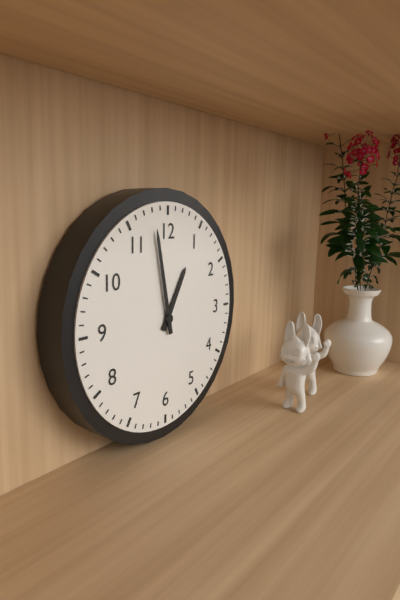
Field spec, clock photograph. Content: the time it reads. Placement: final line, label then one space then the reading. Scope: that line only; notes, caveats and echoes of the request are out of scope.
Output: 12:58
